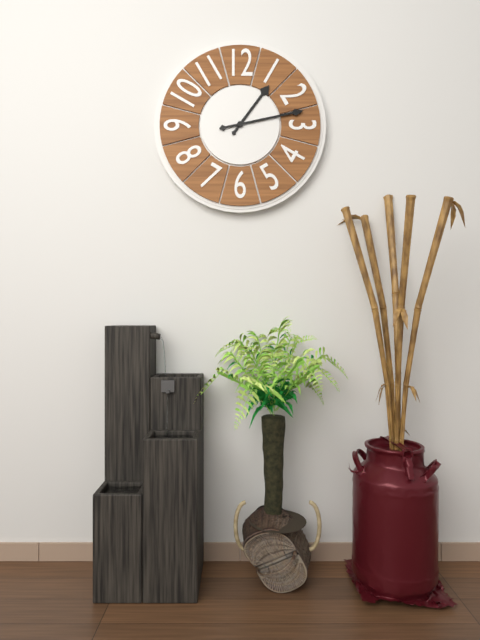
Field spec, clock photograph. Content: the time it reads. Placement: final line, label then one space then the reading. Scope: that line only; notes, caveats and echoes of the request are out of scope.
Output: 1:13
